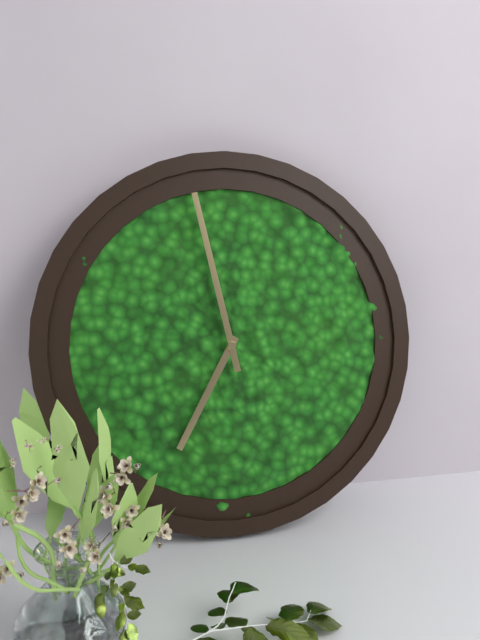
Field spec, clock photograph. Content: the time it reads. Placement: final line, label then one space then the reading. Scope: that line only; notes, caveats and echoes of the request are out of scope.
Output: 6:58
